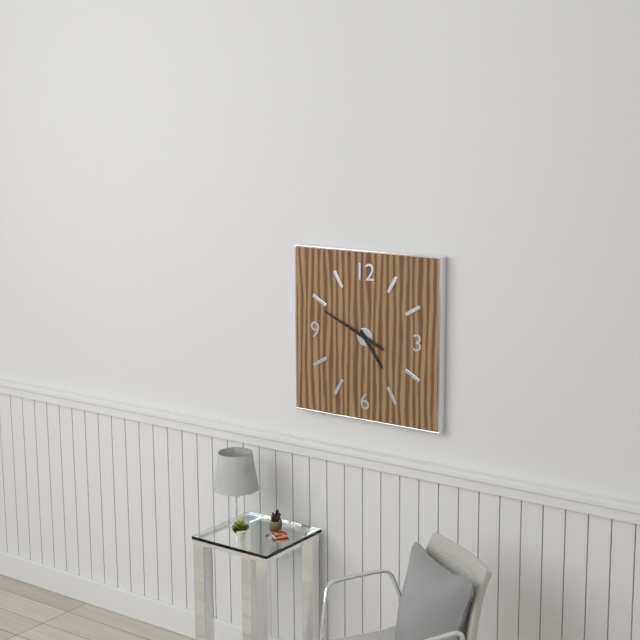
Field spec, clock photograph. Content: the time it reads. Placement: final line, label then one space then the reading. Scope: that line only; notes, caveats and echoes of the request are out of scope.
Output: 4:49
